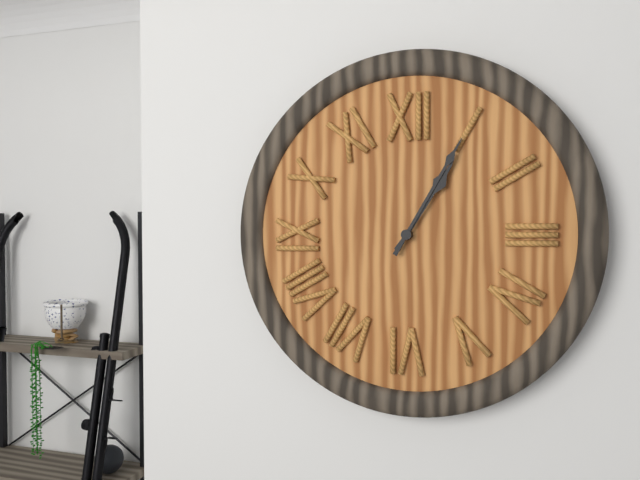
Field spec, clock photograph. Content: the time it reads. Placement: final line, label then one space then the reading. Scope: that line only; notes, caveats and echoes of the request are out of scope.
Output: 1:05
